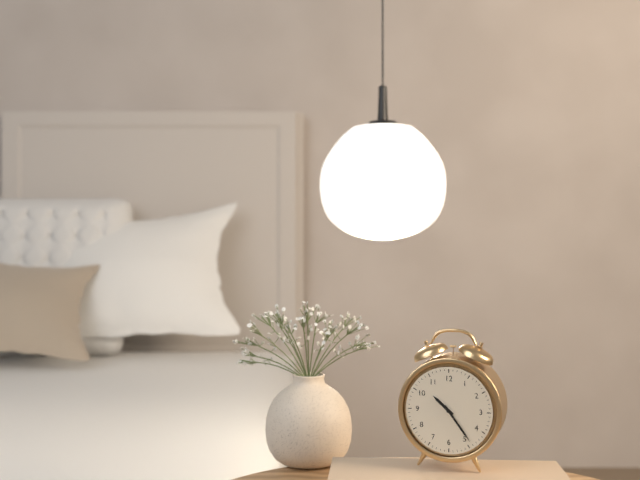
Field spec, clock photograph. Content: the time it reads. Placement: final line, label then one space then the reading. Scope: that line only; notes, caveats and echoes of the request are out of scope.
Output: 10:24
